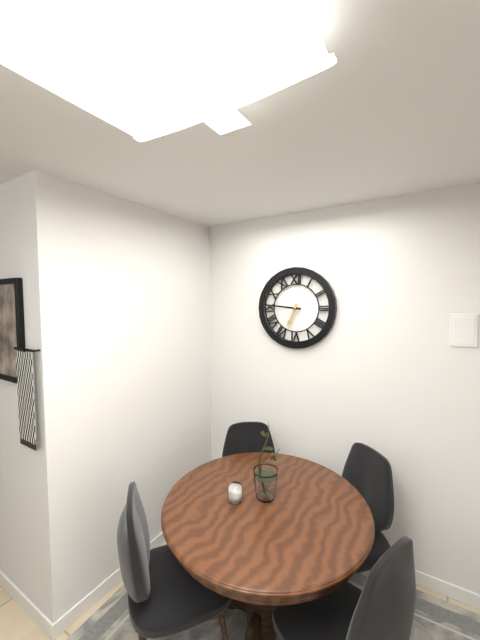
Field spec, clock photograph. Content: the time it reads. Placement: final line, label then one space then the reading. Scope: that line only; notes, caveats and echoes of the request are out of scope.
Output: 6:46
